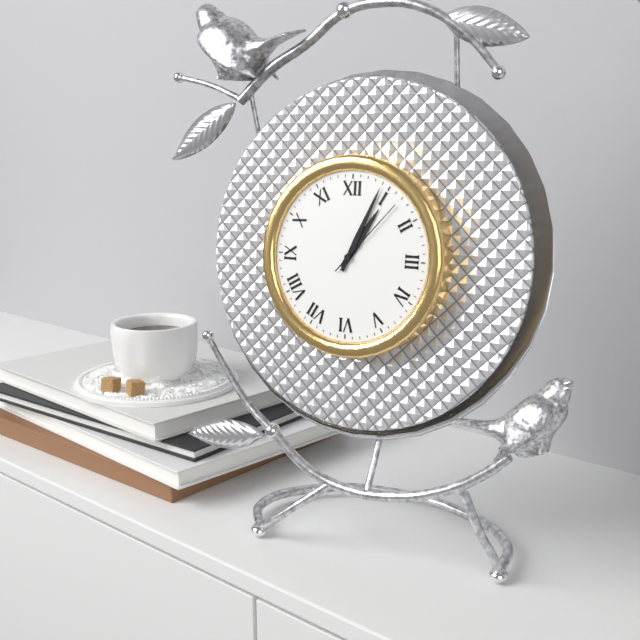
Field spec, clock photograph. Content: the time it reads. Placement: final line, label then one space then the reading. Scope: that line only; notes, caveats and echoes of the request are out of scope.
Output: 1:04:07
